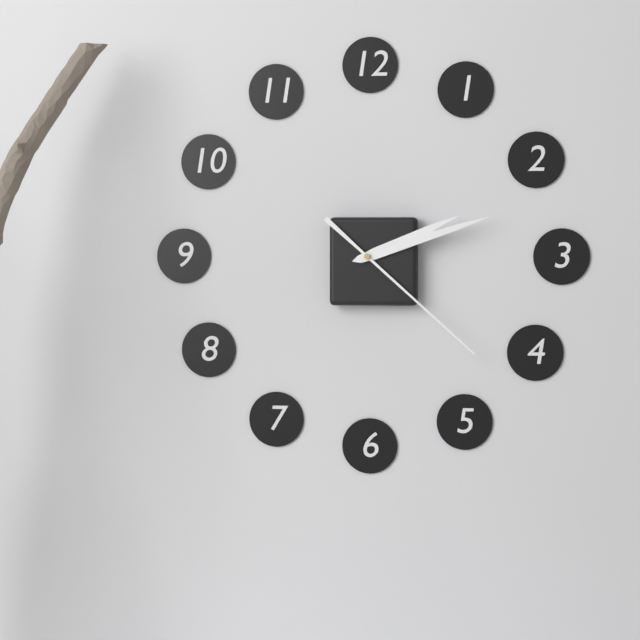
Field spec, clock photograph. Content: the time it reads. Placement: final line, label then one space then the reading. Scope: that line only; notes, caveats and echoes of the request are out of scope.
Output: 2:12:22
